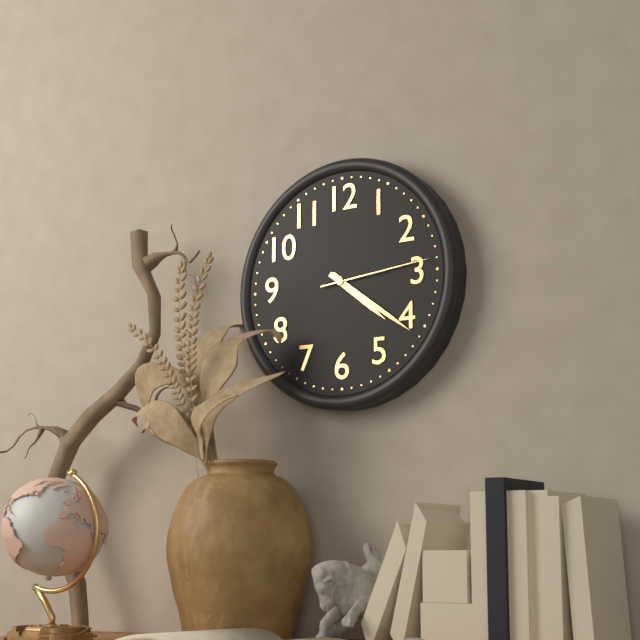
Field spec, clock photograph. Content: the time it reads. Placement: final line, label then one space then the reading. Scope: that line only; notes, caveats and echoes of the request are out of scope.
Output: 4:21:14
